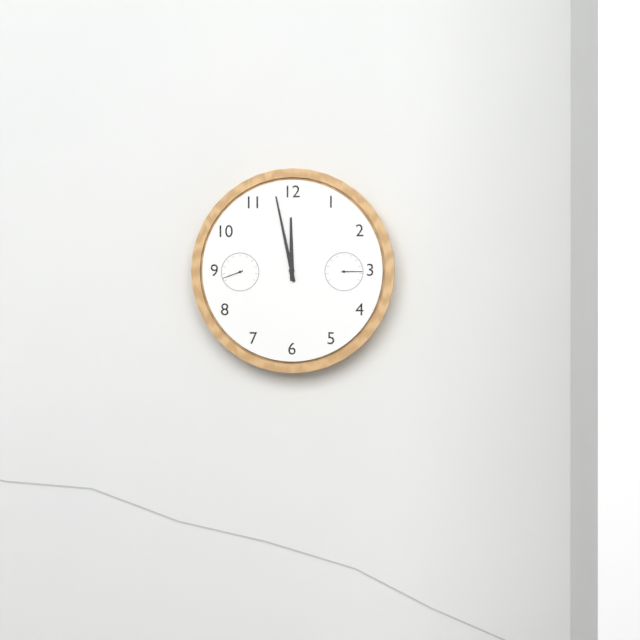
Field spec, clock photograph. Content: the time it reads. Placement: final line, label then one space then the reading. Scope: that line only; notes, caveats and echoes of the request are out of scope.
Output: 11:58
